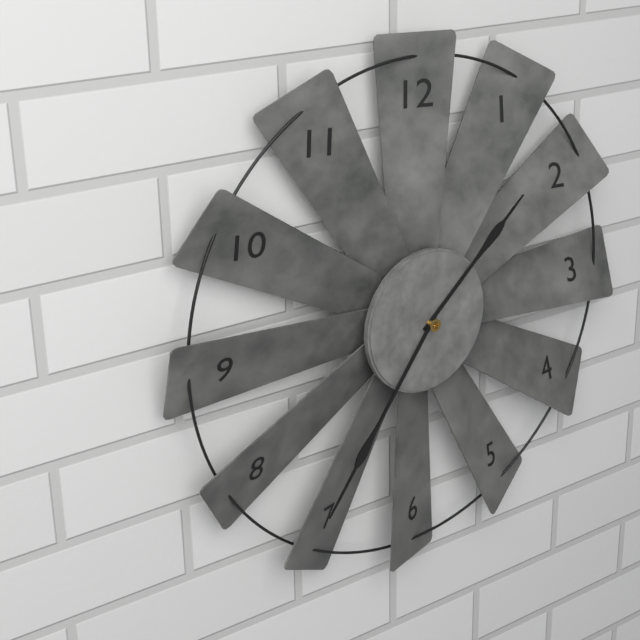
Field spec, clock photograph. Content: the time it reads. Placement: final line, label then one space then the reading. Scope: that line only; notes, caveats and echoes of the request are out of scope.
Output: 1:36
